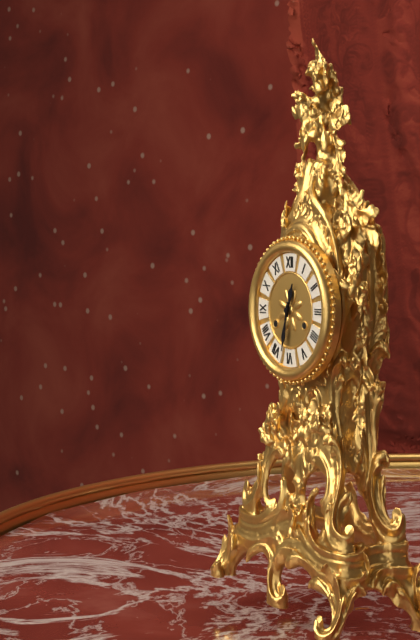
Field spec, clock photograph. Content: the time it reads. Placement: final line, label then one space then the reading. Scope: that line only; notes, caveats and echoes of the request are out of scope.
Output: 12:32
